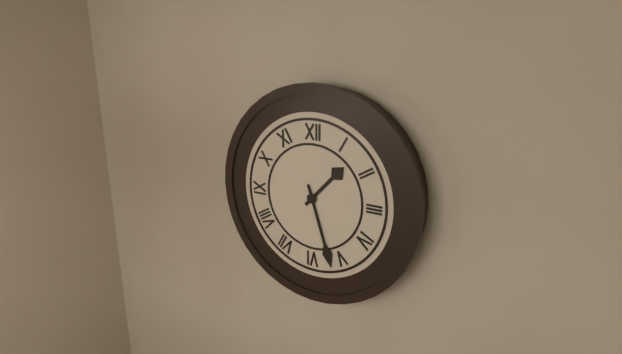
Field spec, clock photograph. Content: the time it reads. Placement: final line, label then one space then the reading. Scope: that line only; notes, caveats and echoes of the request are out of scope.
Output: 1:27
